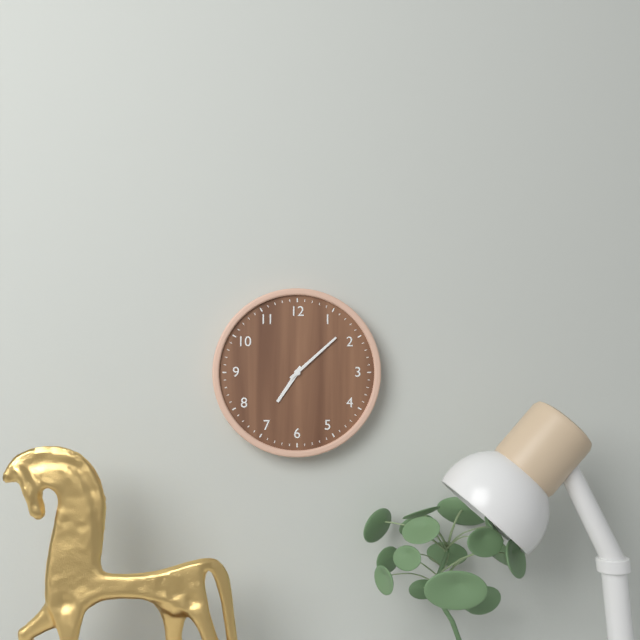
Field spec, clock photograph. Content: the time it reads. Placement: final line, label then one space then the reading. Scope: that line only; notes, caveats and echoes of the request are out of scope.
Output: 7:08
